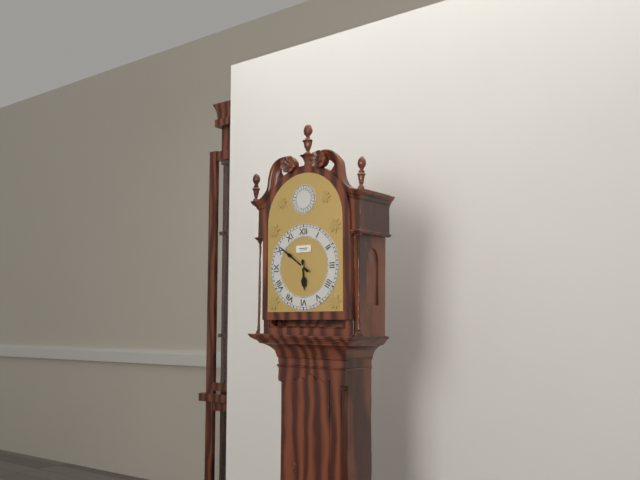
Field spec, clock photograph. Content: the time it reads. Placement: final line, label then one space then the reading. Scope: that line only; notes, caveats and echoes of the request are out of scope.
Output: 5:51
